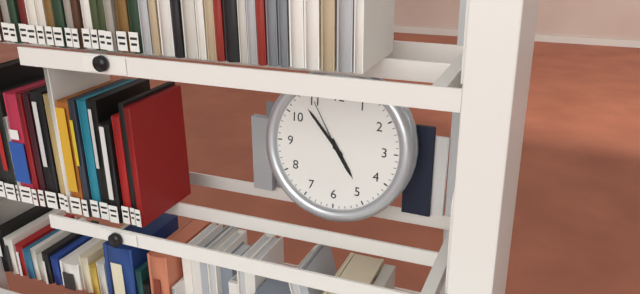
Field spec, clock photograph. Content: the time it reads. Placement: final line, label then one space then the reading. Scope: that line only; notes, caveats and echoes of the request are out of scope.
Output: 4:53:55
